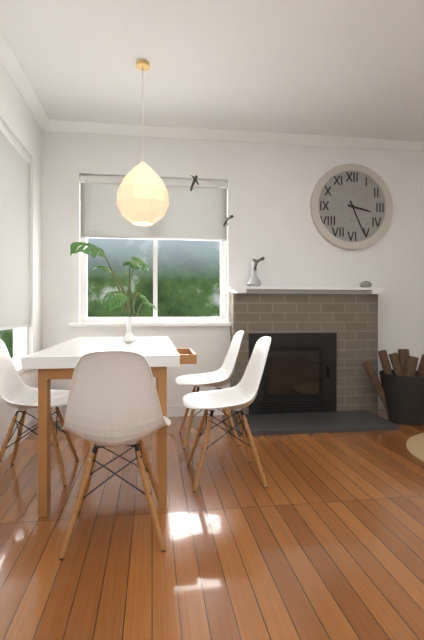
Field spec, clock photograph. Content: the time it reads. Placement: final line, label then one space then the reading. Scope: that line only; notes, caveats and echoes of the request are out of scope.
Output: 3:26
